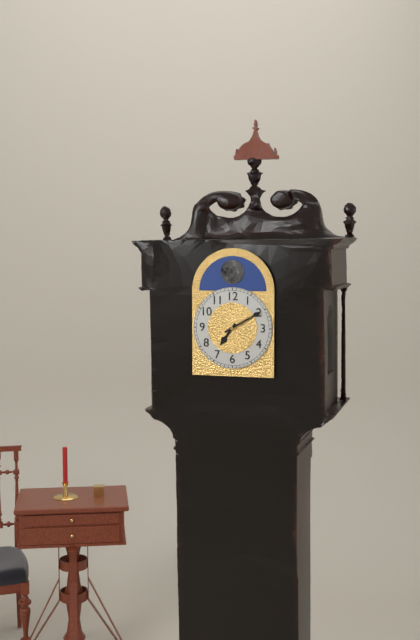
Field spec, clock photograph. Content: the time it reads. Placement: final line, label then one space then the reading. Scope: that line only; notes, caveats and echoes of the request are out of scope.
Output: 7:10
